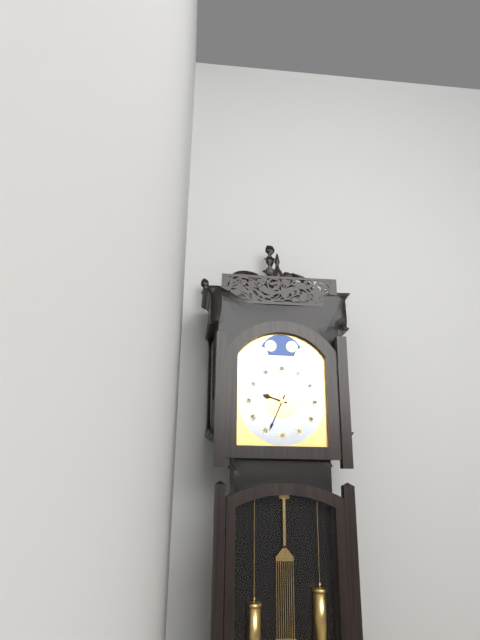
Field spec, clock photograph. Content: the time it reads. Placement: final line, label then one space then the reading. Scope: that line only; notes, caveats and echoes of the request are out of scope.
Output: 9:34
